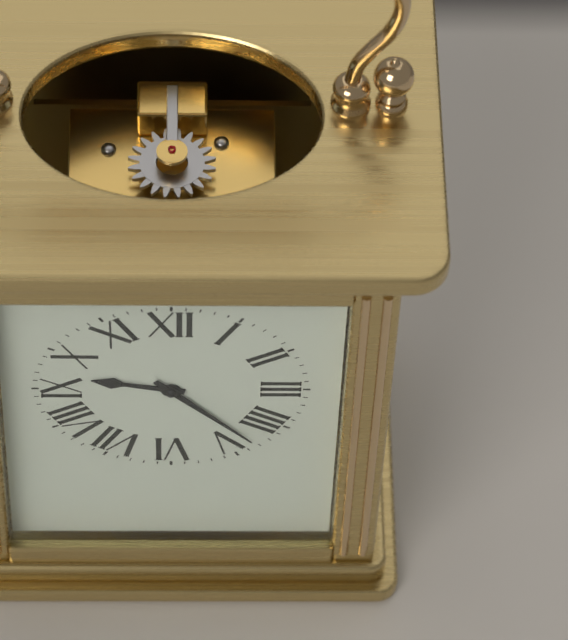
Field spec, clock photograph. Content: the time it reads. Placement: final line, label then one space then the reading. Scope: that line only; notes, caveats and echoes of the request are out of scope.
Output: 9:23
